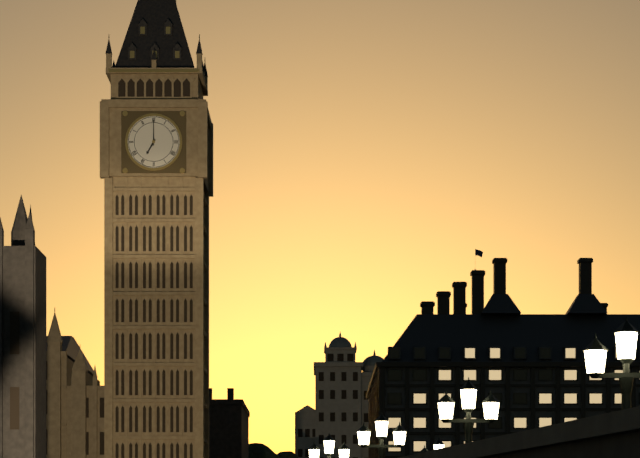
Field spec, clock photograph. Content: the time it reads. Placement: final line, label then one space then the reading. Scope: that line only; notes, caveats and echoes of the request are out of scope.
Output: 7:00
